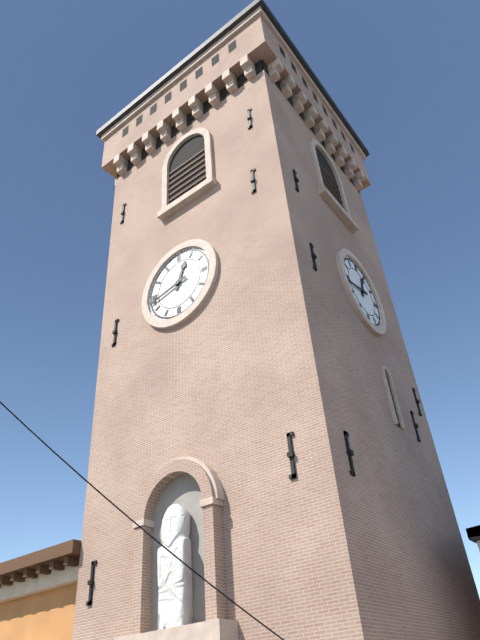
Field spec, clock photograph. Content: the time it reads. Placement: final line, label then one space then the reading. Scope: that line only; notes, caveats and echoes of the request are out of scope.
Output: 12:43
